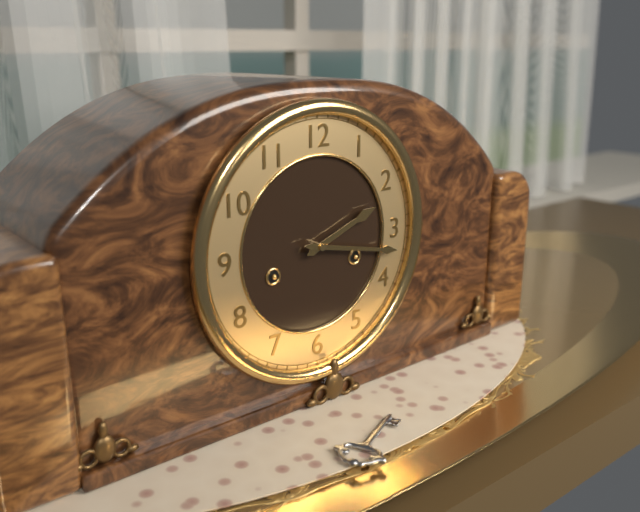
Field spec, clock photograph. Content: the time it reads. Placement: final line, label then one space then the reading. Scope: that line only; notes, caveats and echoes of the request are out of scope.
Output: 2:17
